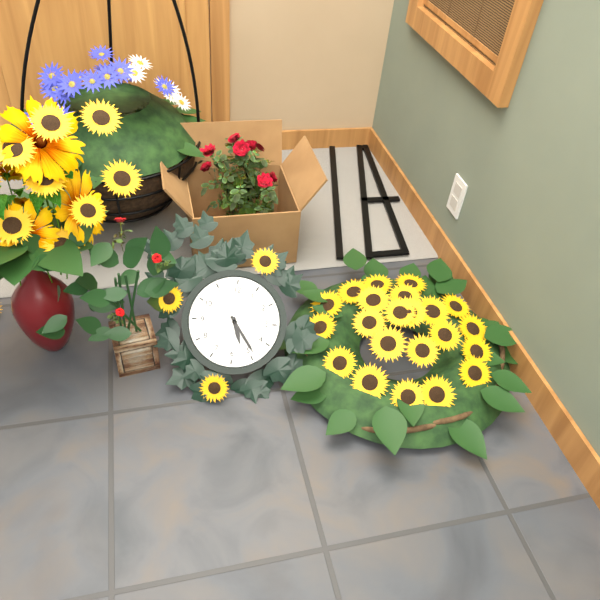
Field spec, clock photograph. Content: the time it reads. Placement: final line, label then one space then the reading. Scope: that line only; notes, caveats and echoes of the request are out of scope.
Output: 5:24
